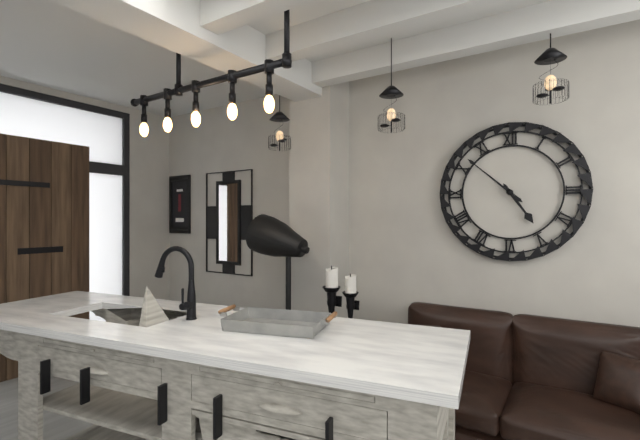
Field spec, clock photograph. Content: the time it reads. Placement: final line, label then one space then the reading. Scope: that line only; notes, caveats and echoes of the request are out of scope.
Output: 4:52
